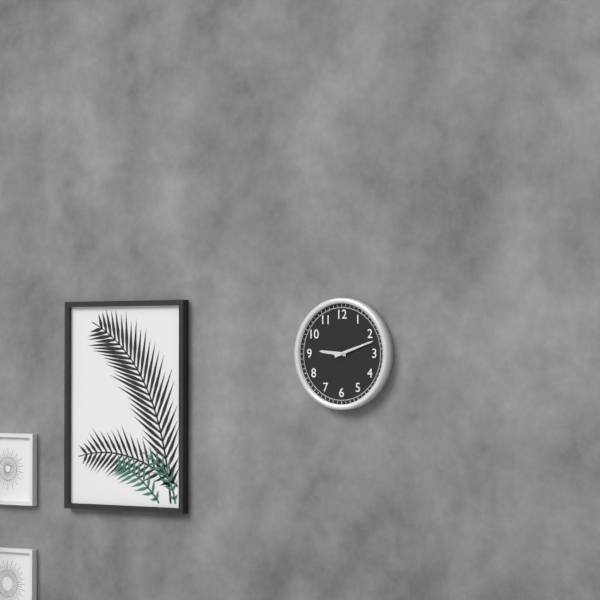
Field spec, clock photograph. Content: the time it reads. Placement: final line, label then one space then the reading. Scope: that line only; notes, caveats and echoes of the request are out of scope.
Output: 9:12
